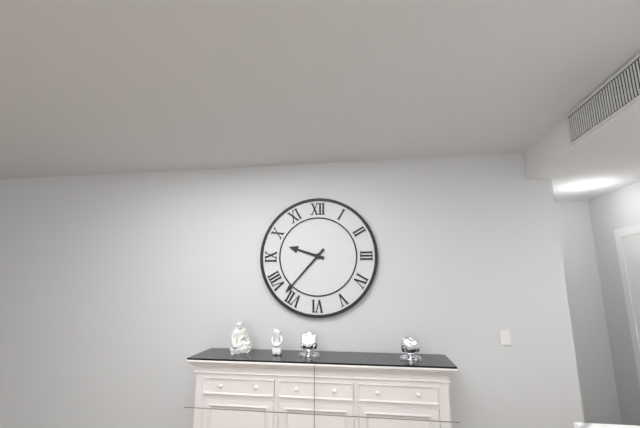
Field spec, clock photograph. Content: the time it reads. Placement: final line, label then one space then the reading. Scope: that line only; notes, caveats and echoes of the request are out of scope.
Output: 9:37
